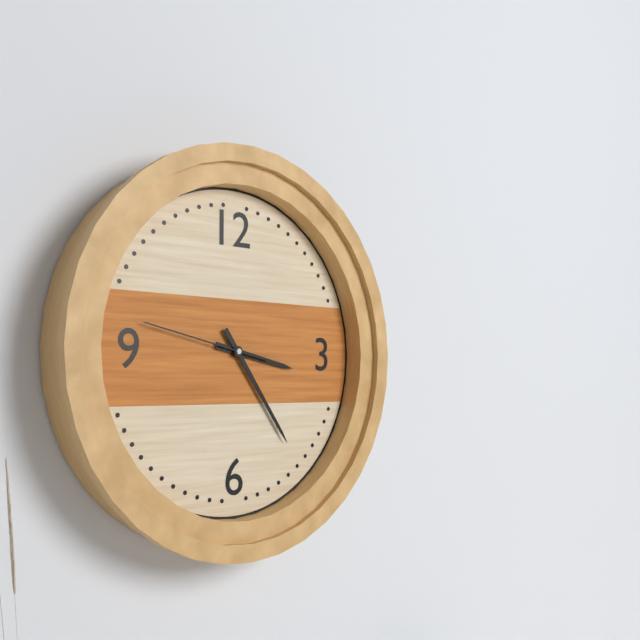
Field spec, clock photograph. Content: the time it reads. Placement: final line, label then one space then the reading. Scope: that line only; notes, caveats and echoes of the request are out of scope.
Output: 3:24:47
